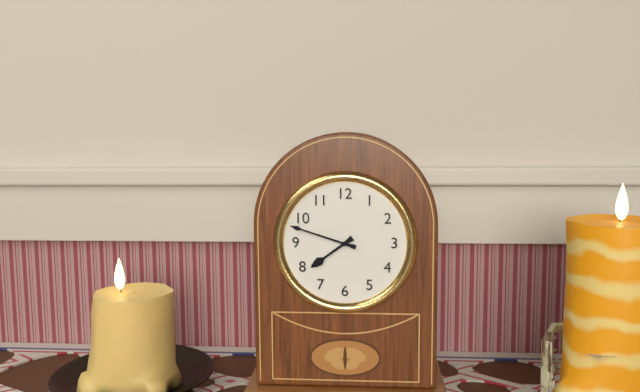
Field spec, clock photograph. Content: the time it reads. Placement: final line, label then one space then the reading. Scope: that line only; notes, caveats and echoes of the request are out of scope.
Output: 7:48
